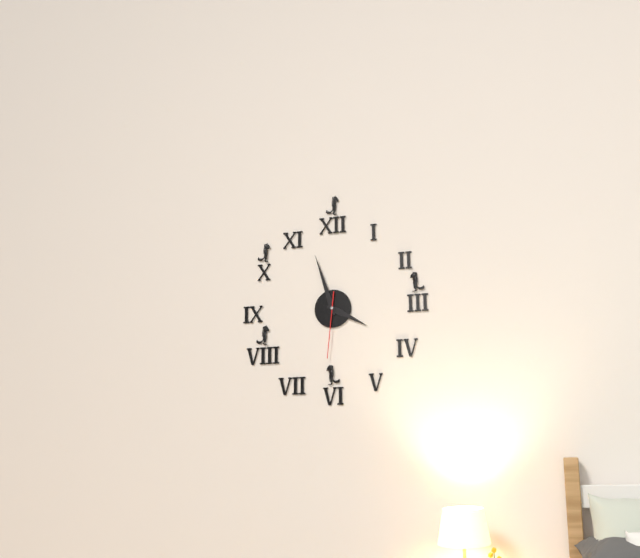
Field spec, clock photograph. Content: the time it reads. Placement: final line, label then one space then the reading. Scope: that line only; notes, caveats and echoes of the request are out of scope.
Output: 3:57:31
